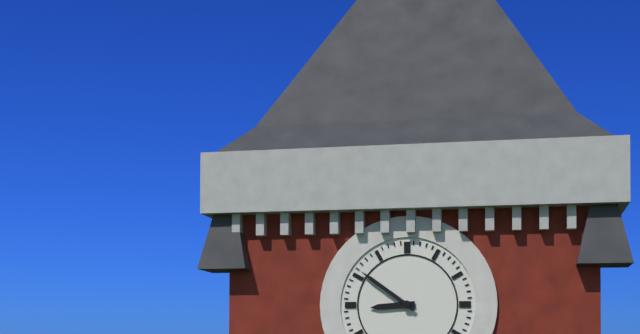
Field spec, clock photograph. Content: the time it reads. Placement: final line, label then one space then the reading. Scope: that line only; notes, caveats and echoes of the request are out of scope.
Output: 8:51
